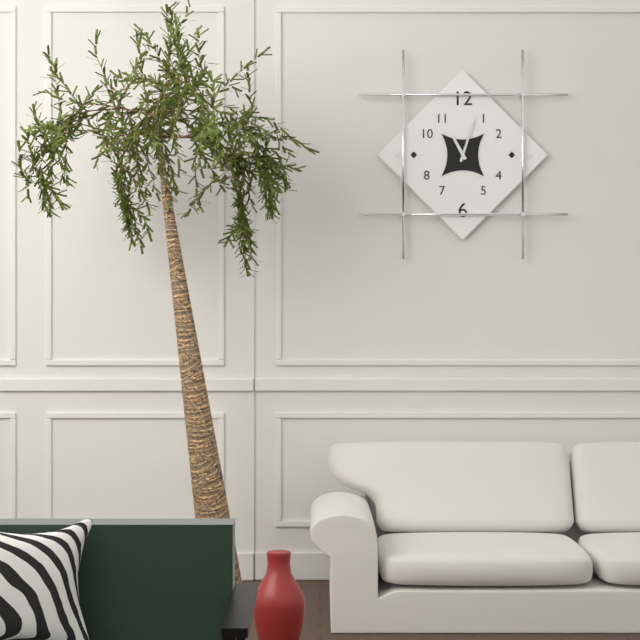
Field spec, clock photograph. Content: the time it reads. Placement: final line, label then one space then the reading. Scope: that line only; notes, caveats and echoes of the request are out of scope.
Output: 11:03
